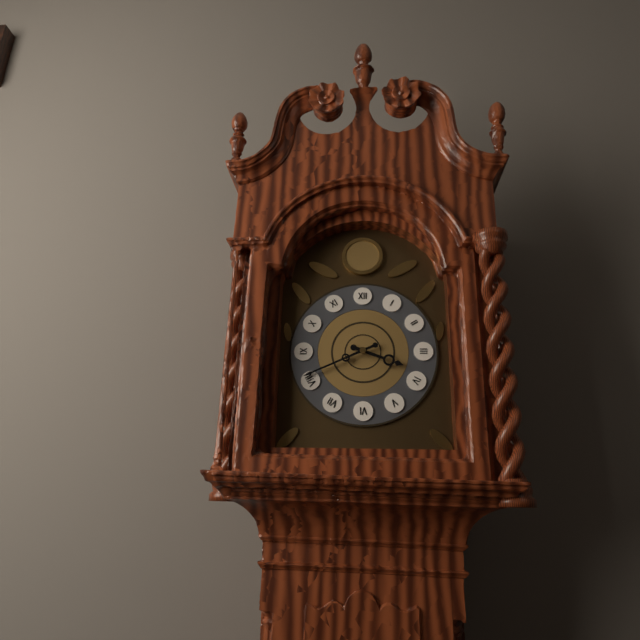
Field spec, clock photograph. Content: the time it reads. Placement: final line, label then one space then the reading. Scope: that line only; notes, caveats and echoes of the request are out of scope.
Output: 3:41
